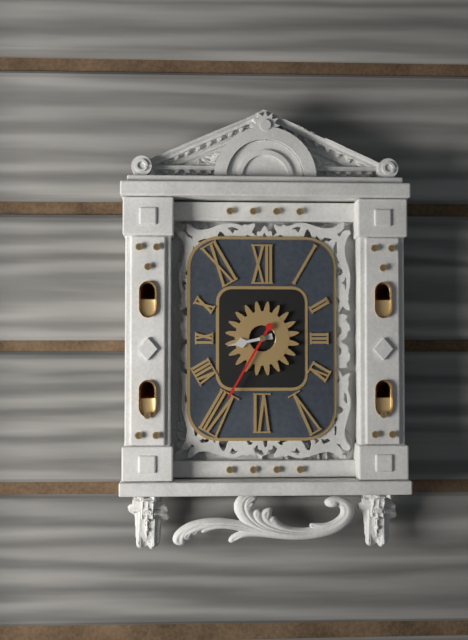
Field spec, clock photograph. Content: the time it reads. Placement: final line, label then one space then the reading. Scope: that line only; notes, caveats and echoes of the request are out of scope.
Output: 8:35
